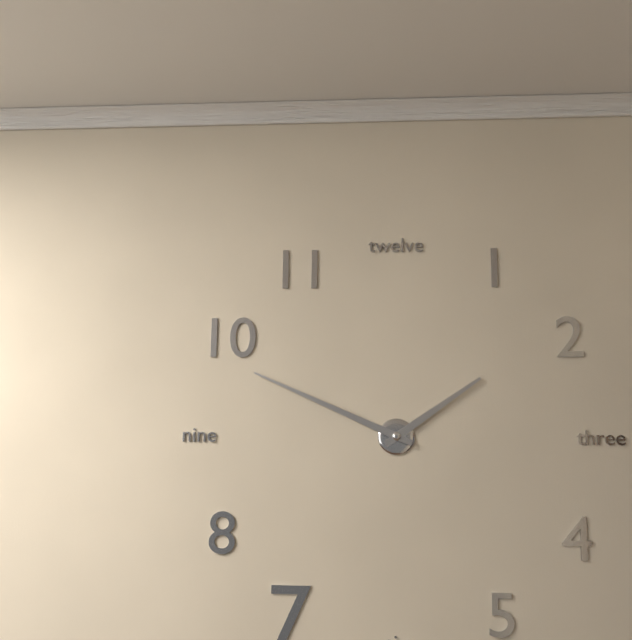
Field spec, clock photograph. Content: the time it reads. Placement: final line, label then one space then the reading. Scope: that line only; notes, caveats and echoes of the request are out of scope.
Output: 1:49
